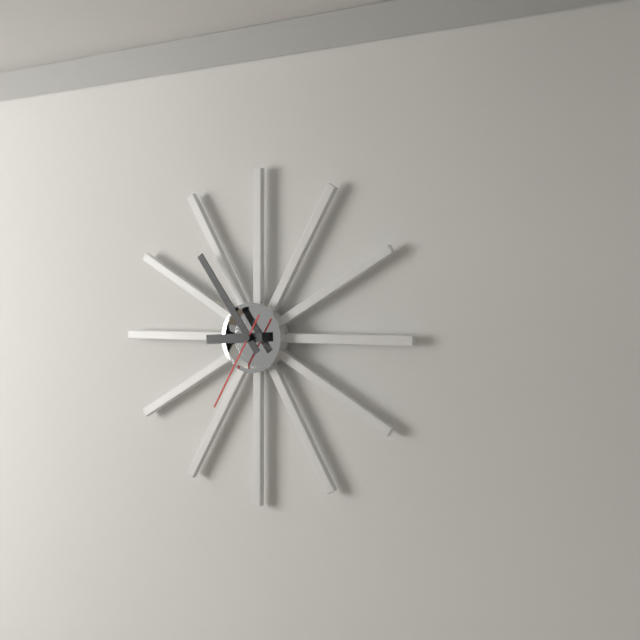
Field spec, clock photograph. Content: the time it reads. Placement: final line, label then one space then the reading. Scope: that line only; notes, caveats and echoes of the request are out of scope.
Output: 8:54:35
